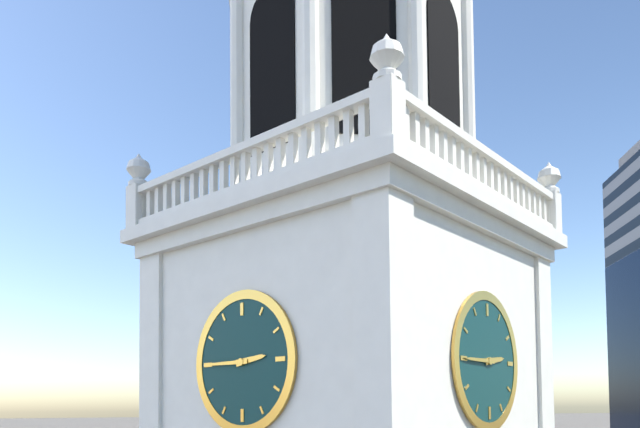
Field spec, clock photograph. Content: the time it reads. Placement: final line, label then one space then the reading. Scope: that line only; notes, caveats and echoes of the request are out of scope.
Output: 2:45
